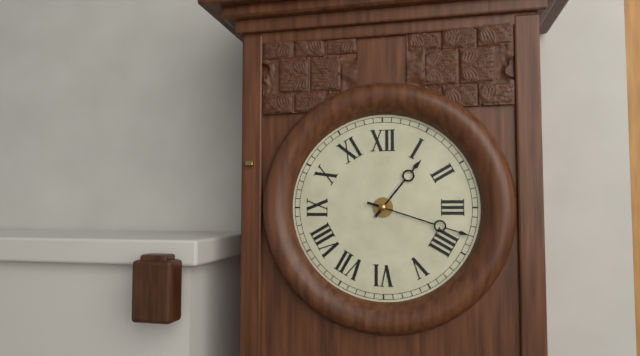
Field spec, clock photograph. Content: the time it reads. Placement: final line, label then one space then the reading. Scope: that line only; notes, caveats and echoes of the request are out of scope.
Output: 1:18
